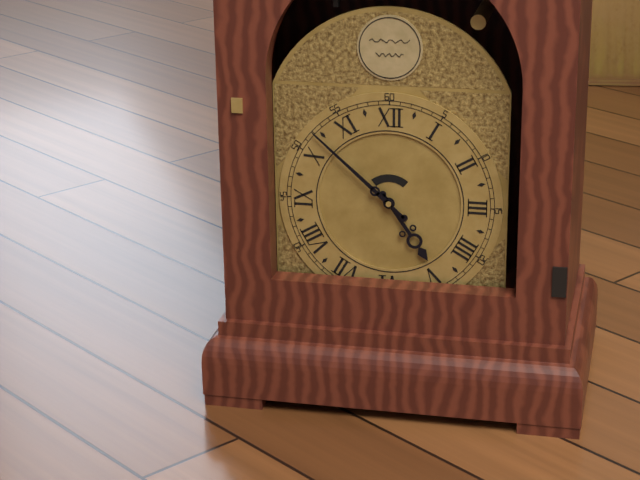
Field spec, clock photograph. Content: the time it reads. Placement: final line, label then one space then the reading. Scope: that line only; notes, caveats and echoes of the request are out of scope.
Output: 4:52
